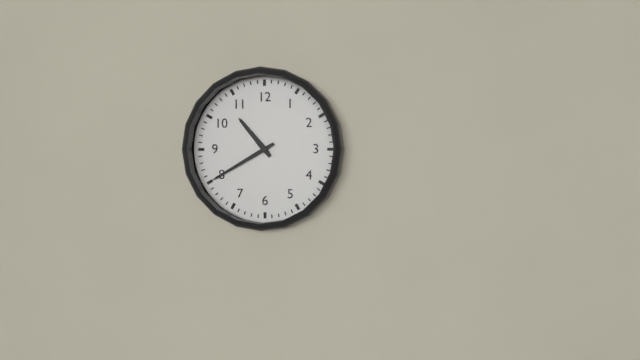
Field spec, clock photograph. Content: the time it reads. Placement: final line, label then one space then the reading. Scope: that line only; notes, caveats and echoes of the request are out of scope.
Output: 10:40
